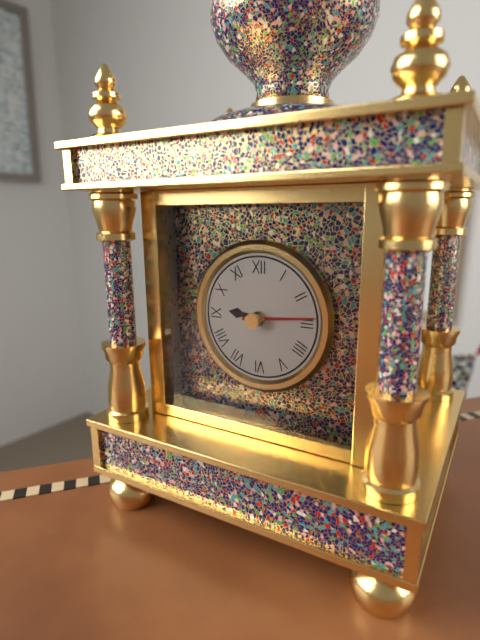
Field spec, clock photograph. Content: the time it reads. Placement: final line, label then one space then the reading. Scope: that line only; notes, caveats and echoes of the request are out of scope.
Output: 9:14
